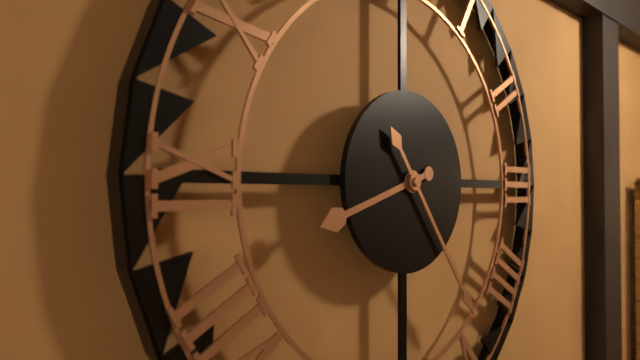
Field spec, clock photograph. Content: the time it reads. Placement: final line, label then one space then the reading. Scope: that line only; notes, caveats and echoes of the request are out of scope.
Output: 8:24
